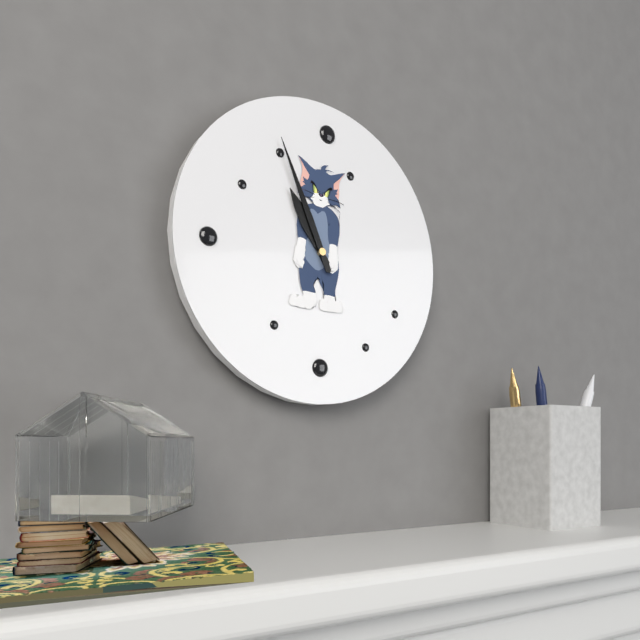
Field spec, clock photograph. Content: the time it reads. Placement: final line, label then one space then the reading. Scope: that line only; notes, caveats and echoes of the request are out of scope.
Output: 10:56
